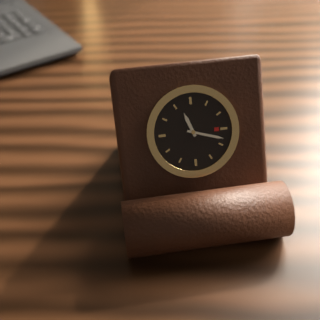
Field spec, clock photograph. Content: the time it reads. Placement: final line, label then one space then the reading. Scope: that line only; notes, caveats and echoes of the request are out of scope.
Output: 11:18
